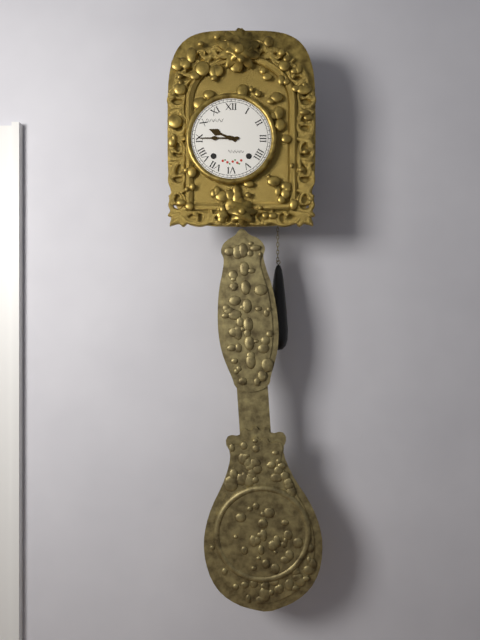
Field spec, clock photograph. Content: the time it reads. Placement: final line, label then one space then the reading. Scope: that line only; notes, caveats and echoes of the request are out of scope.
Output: 9:45
